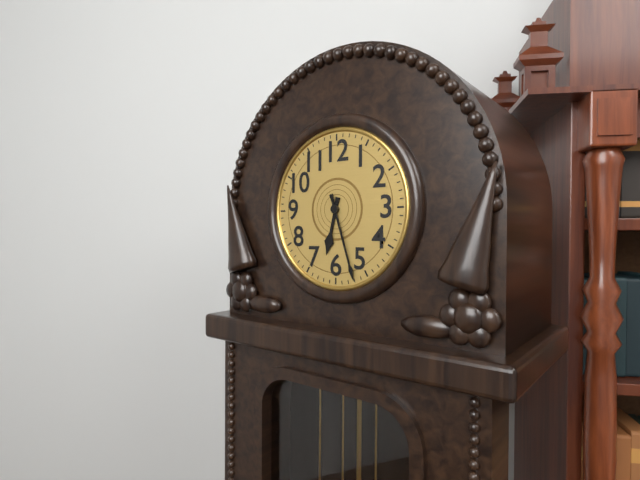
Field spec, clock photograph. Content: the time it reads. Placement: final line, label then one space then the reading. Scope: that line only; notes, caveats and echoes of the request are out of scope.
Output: 6:27
